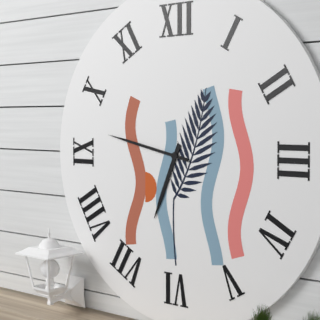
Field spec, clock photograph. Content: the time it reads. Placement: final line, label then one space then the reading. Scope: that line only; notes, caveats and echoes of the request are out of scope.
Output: 6:47
